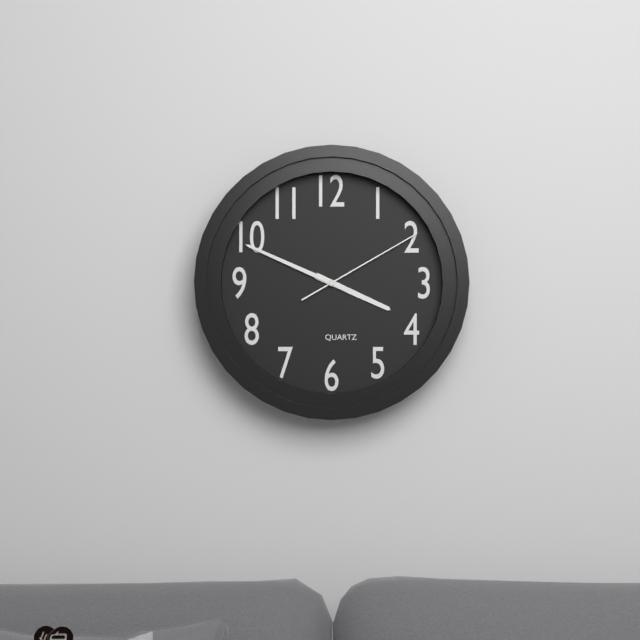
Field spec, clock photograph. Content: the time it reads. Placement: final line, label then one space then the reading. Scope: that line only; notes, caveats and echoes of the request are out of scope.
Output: 3:49:10
